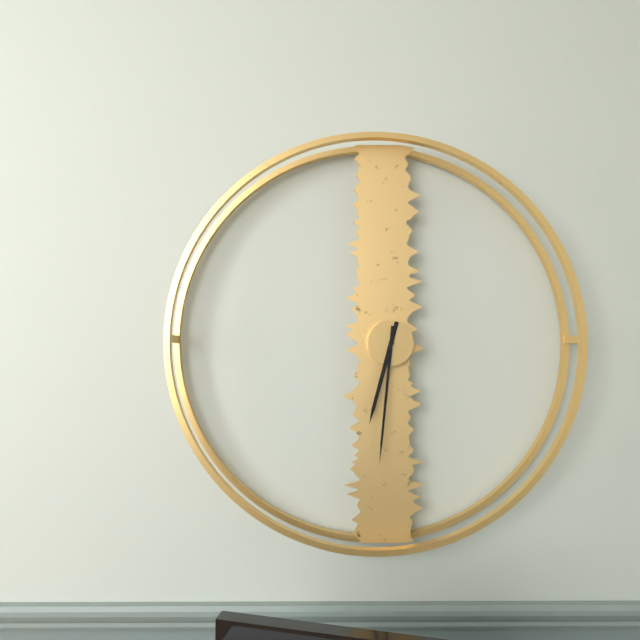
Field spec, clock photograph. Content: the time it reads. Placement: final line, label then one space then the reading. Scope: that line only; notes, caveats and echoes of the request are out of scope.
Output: 6:31
